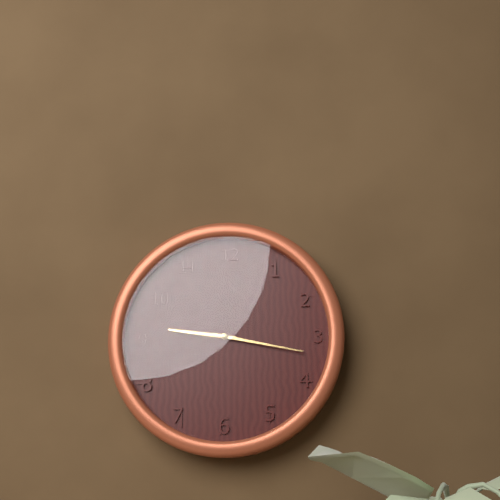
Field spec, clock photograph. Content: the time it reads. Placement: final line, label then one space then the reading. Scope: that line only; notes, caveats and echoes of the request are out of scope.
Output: 9:17
